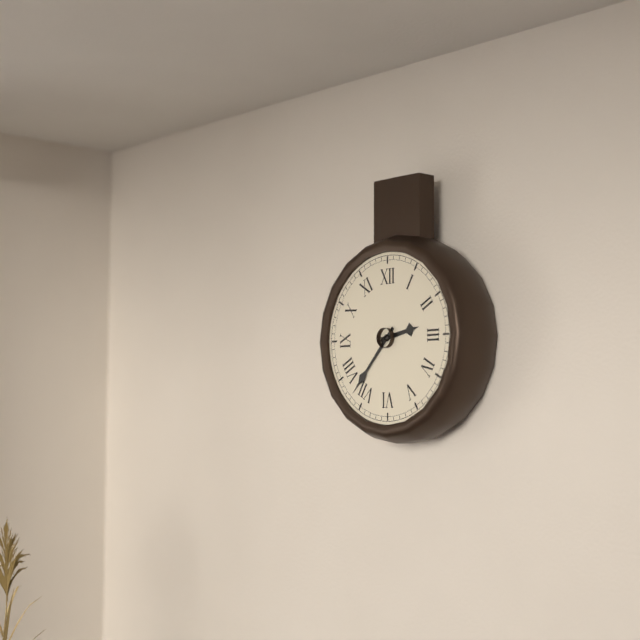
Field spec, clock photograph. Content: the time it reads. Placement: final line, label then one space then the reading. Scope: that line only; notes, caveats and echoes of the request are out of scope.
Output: 2:37
